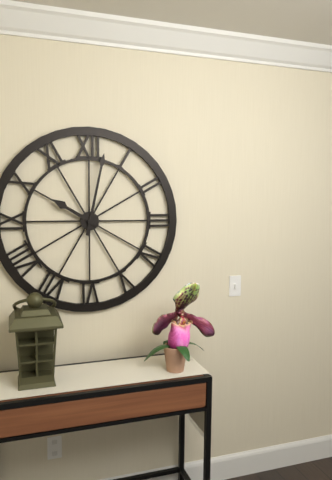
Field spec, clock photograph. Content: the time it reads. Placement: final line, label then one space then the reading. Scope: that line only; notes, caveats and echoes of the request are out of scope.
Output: 10:02
